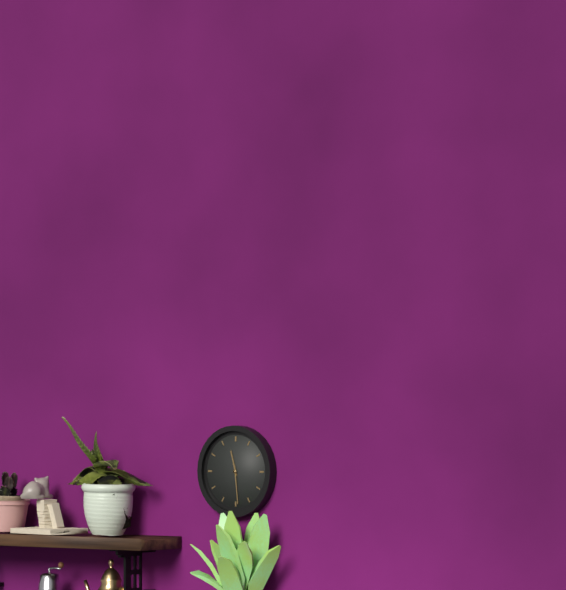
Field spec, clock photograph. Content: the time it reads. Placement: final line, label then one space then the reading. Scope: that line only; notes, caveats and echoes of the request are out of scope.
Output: 11:29
